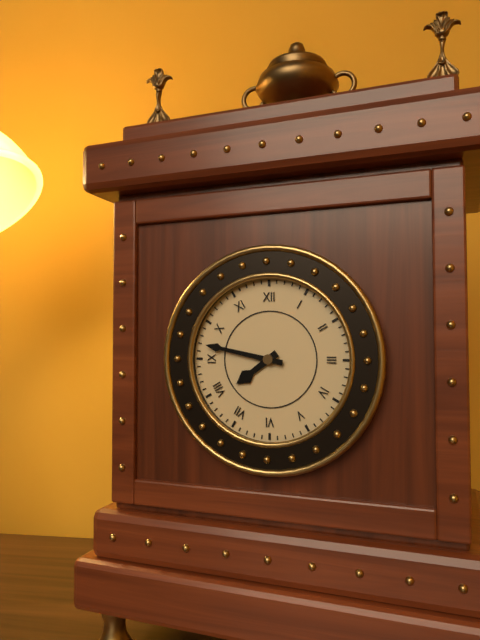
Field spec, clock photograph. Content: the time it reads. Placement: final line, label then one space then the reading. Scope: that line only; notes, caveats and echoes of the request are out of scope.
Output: 7:47
